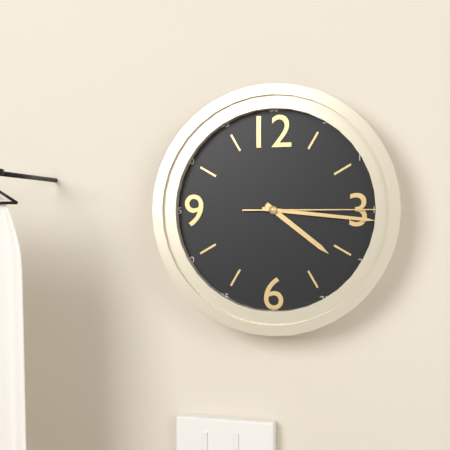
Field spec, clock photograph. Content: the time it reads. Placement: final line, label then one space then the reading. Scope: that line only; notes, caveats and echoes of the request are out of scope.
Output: 4:16:15
